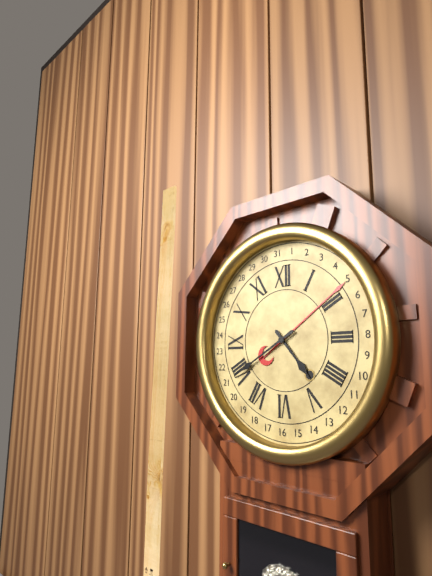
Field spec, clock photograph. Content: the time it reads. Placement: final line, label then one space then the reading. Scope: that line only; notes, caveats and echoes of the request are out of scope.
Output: 4:40
